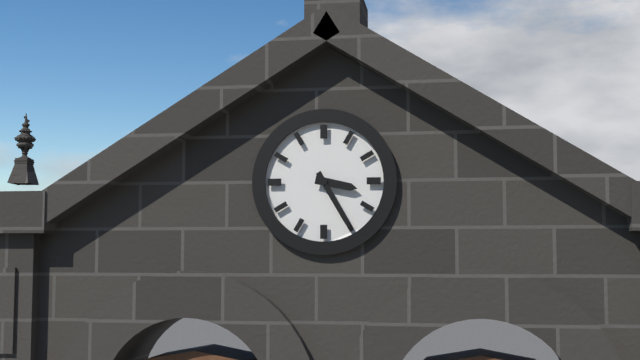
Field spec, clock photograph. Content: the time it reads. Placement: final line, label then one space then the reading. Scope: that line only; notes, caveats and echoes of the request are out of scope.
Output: 3:25
